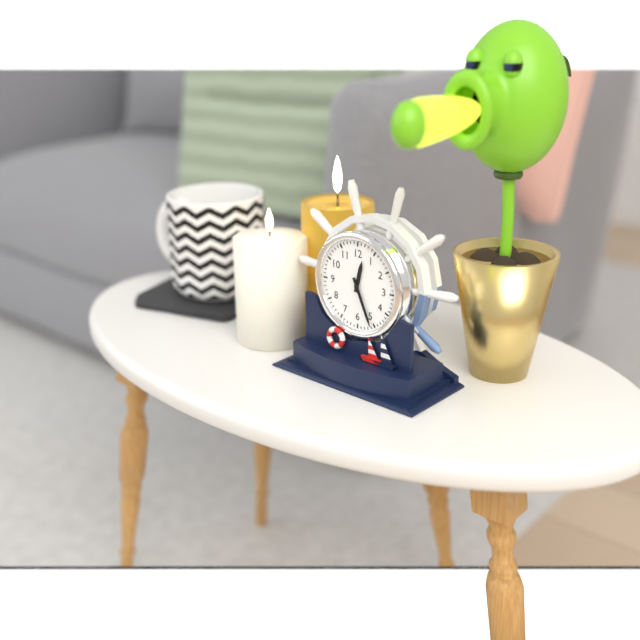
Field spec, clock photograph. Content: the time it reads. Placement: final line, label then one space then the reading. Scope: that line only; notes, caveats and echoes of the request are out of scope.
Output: 12:26
